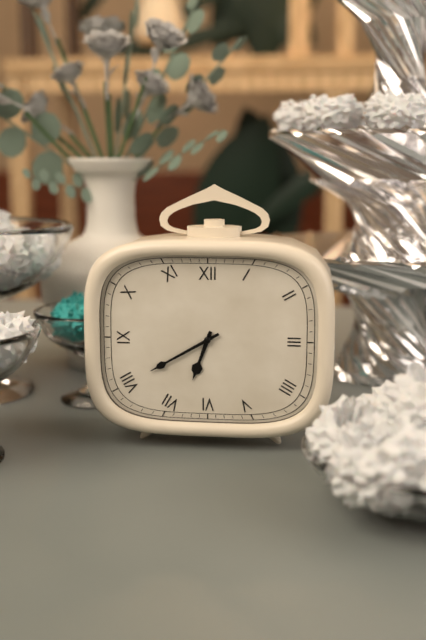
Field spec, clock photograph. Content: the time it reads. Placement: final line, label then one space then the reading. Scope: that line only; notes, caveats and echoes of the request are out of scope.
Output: 6:40
